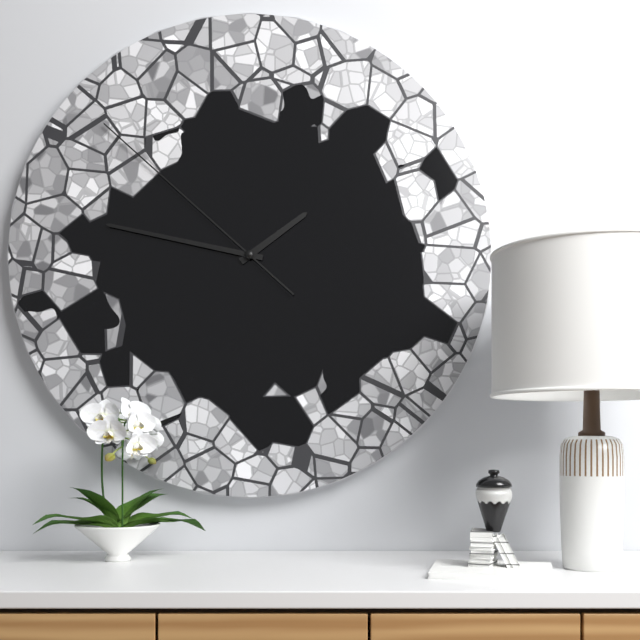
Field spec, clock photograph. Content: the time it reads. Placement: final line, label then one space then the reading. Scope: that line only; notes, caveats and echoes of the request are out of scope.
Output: 1:47:52
